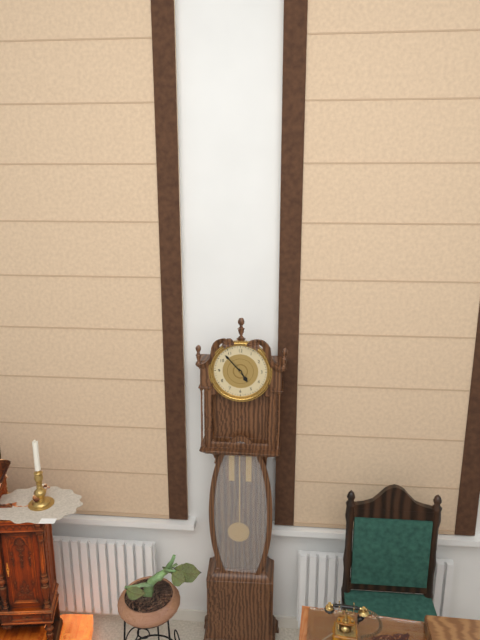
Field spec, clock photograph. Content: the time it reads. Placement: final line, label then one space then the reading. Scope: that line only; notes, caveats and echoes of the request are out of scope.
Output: 4:53
